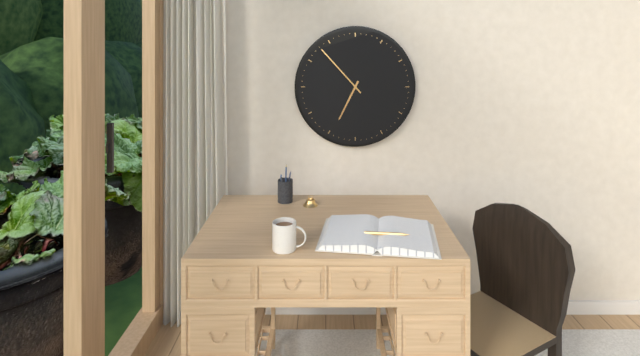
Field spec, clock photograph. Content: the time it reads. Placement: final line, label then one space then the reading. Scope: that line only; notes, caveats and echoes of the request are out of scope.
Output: 6:53
